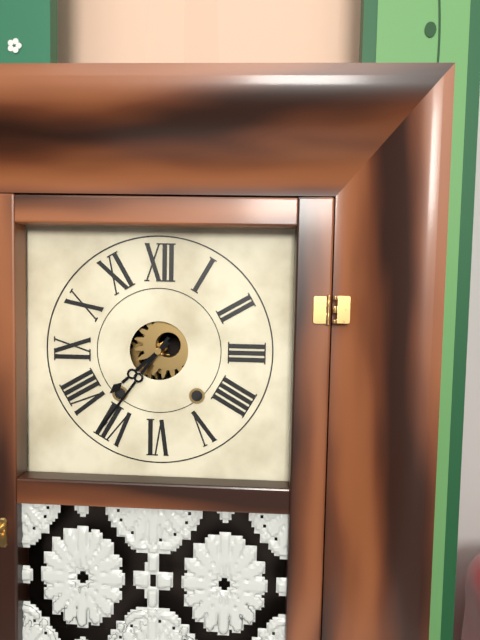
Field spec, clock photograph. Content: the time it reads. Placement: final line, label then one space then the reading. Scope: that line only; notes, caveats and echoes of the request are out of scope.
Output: 7:36
